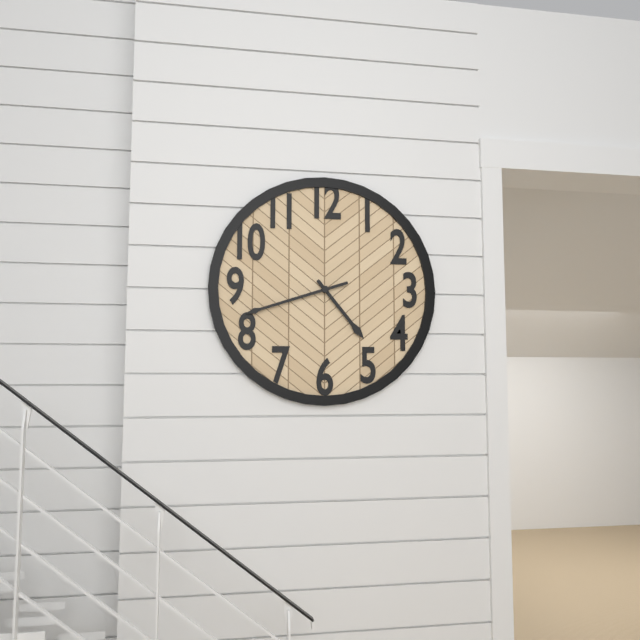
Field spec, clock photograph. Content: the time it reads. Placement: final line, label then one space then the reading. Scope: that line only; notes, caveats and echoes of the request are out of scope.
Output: 4:42
